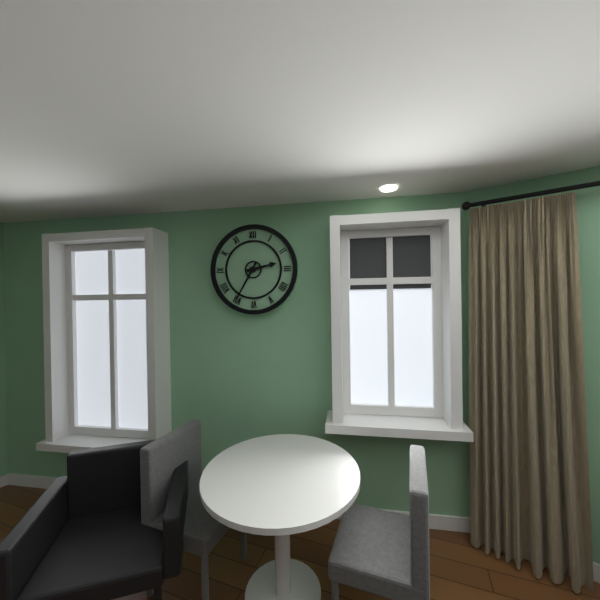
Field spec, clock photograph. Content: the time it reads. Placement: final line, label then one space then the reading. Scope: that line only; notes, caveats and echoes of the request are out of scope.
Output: 2:35
